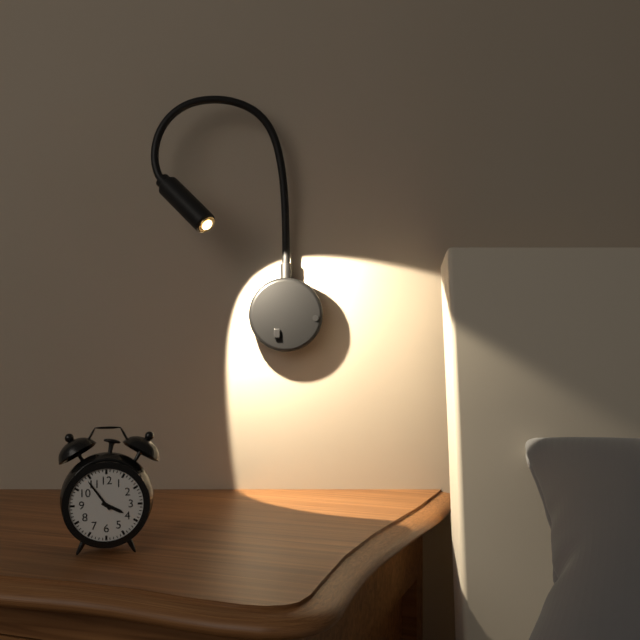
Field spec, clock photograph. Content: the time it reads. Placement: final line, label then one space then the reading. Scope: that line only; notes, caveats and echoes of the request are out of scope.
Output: 3:54
